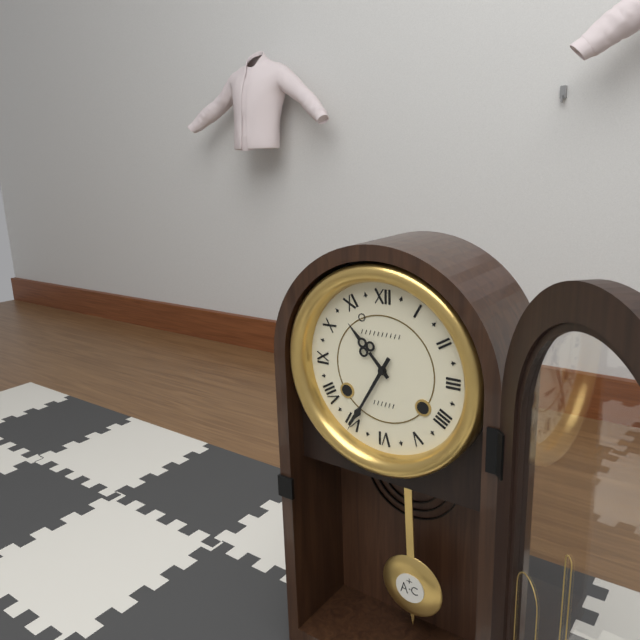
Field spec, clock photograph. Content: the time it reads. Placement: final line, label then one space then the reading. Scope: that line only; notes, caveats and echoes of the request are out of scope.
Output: 10:35
